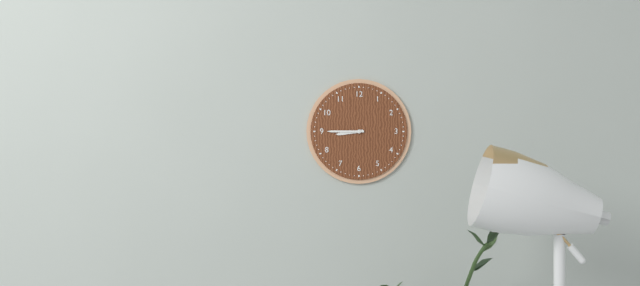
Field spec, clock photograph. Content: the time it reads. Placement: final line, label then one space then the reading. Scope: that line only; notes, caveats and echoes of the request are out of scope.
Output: 8:45
